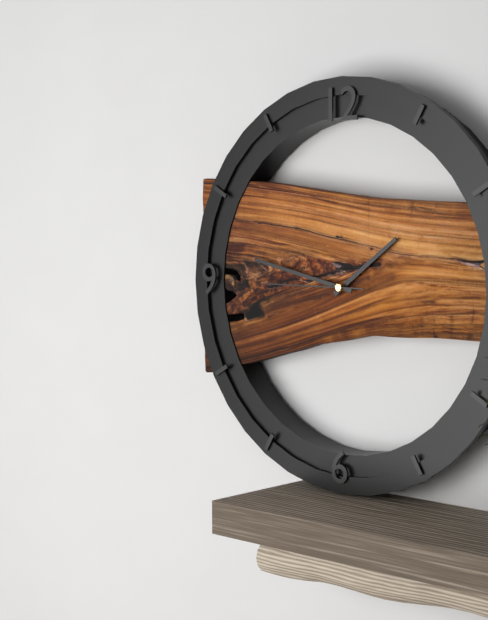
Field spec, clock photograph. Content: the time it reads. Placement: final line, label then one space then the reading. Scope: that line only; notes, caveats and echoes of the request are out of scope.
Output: 1:47:45
